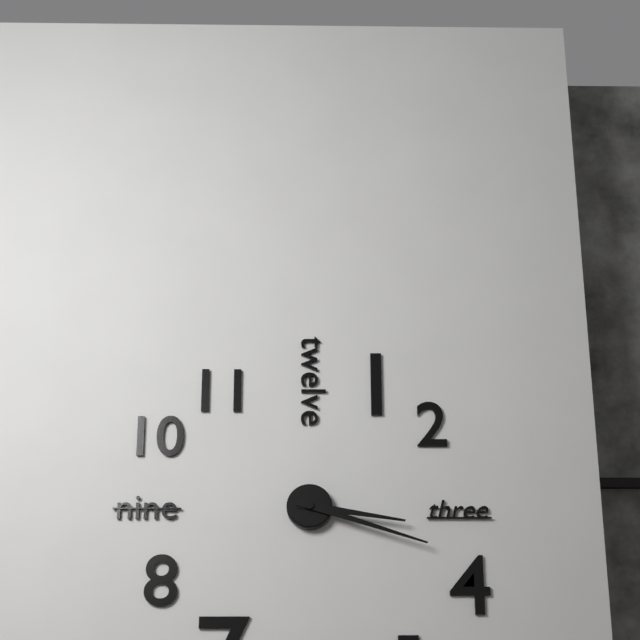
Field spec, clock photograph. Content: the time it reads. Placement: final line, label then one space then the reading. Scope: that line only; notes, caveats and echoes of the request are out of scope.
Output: 3:18
